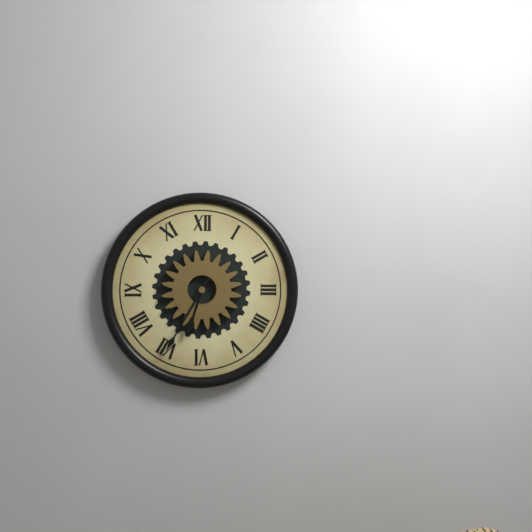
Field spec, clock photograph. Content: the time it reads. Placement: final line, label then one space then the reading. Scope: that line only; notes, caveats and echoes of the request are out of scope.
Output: 6:35
